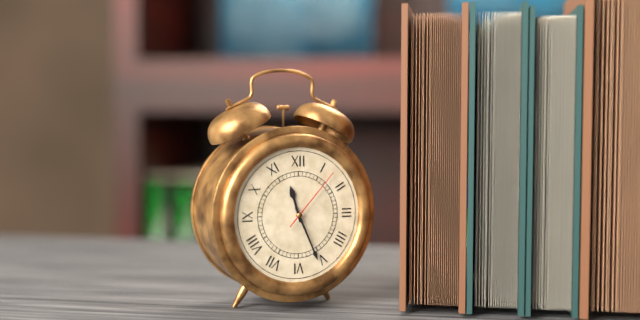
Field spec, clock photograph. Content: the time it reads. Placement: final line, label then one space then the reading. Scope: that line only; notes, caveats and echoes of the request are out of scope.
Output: 11:26:07
